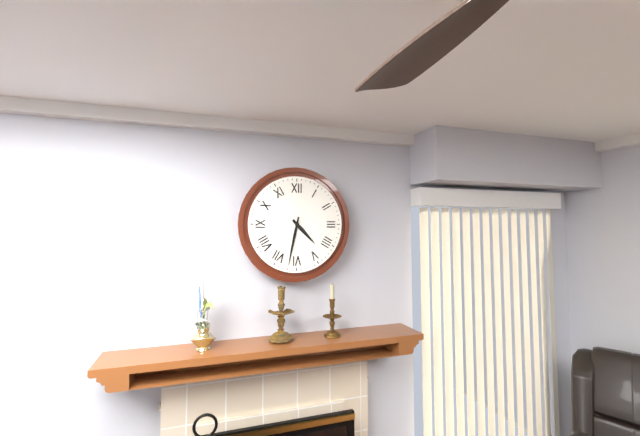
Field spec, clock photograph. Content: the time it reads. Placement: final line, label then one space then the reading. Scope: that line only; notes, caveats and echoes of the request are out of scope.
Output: 4:32
